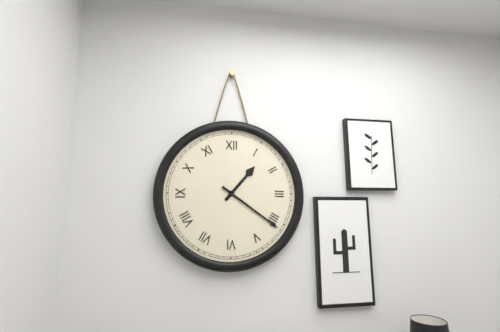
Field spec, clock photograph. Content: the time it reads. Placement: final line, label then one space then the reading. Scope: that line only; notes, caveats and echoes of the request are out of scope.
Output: 1:21
